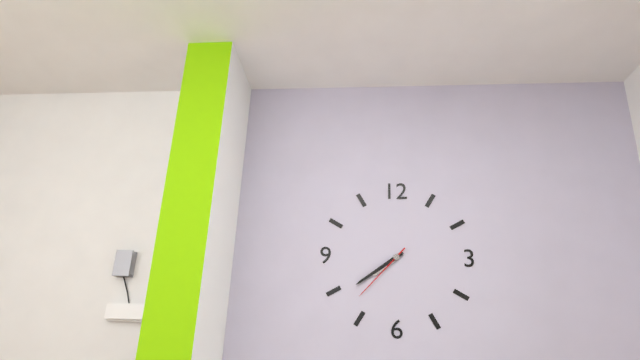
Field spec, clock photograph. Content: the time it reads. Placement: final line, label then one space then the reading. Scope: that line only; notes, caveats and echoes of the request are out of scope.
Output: 7:39:37
